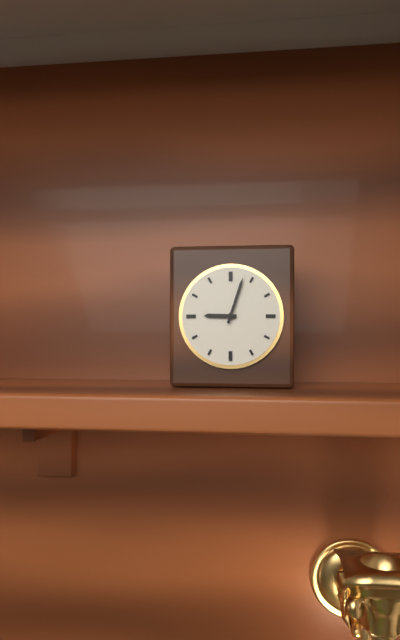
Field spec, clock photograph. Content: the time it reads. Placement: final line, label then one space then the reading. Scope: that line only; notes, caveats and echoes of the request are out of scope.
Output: 9:03
